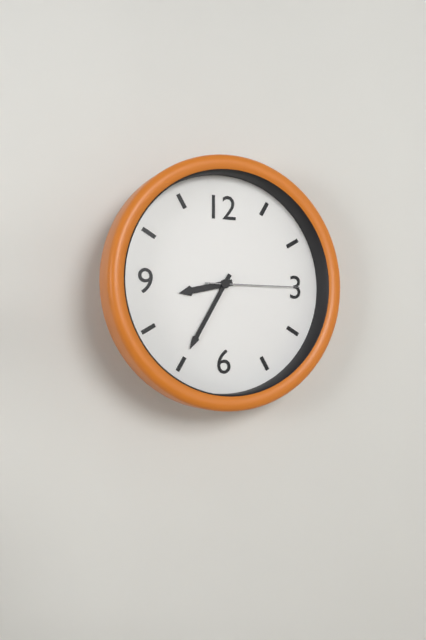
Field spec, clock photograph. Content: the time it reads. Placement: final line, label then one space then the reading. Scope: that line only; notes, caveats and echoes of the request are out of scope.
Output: 8:35:15
